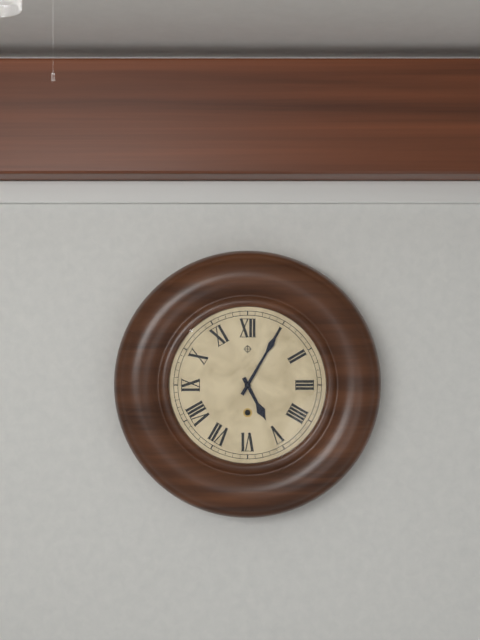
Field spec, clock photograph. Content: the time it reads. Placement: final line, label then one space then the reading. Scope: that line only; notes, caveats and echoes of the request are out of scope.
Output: 5:05
